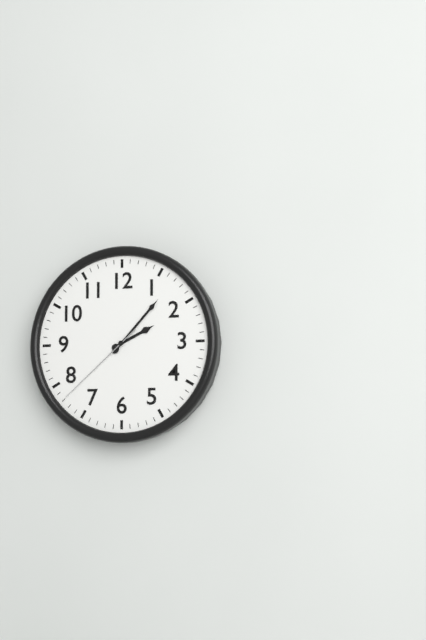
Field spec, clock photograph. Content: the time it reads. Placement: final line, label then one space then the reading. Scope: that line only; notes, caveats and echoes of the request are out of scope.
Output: 2:07:38
